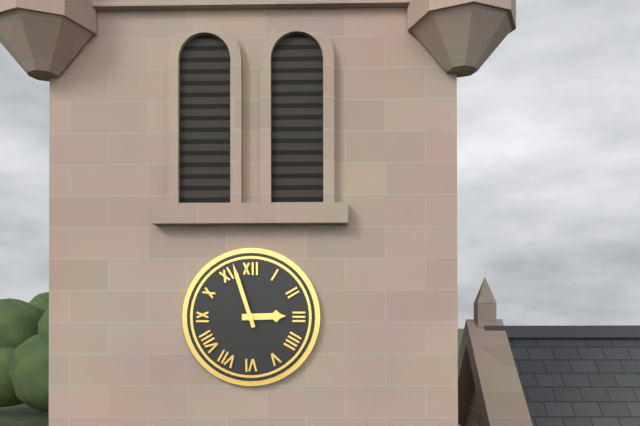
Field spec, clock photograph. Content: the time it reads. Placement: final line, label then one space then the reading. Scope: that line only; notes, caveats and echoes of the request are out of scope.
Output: 2:57
